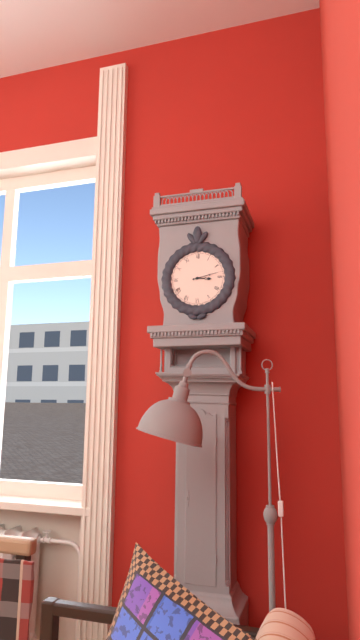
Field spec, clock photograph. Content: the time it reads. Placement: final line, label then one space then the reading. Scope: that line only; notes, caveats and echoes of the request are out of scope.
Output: 3:13
